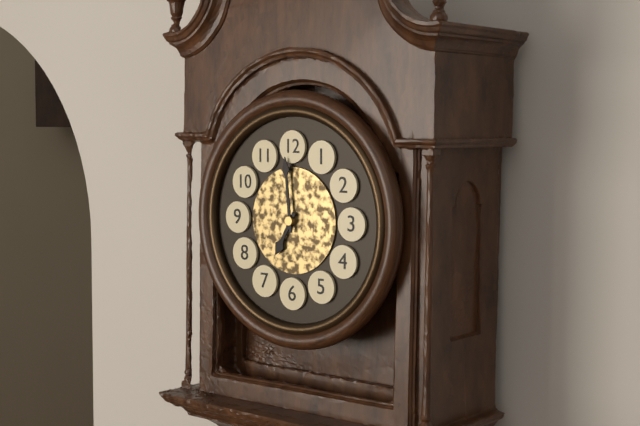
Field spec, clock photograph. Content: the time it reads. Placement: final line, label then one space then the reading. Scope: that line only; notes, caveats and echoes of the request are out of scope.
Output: 6:59
